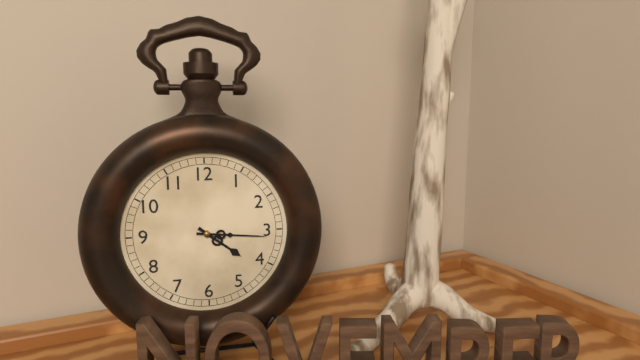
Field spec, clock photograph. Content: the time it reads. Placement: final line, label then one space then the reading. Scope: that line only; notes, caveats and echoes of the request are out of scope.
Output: 4:16
